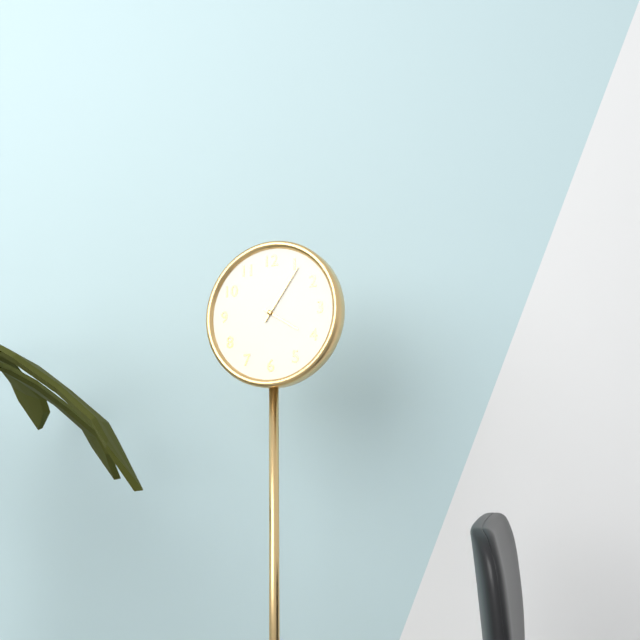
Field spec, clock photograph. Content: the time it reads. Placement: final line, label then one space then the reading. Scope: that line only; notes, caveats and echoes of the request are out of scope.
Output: 4:06
